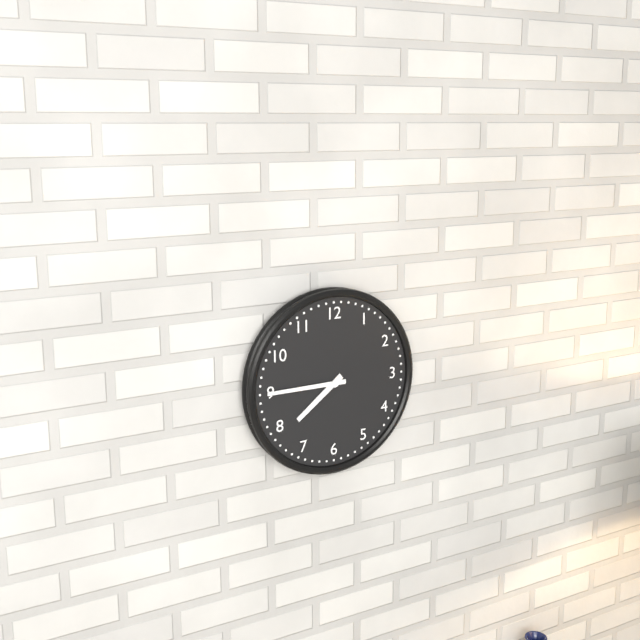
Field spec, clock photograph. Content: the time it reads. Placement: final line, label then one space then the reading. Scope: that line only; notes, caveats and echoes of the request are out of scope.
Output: 7:45
